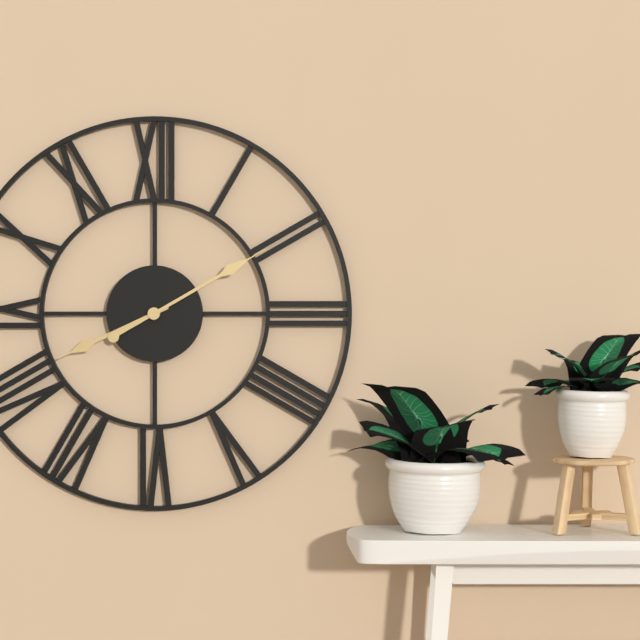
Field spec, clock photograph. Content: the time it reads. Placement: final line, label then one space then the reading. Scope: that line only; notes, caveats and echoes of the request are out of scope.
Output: 8:10
